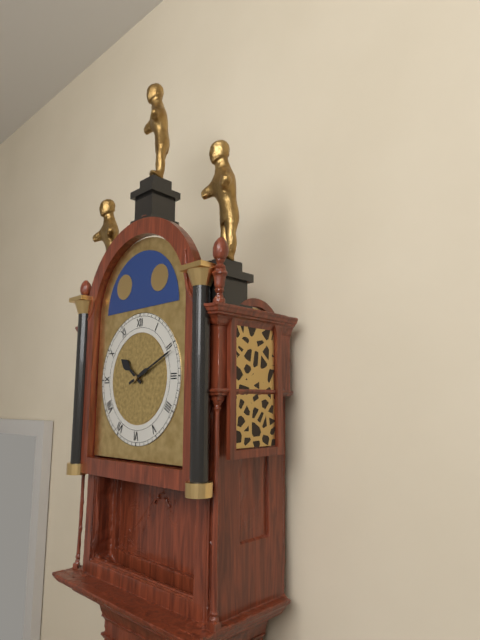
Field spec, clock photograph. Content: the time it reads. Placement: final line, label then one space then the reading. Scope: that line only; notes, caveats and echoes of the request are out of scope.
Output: 10:11
